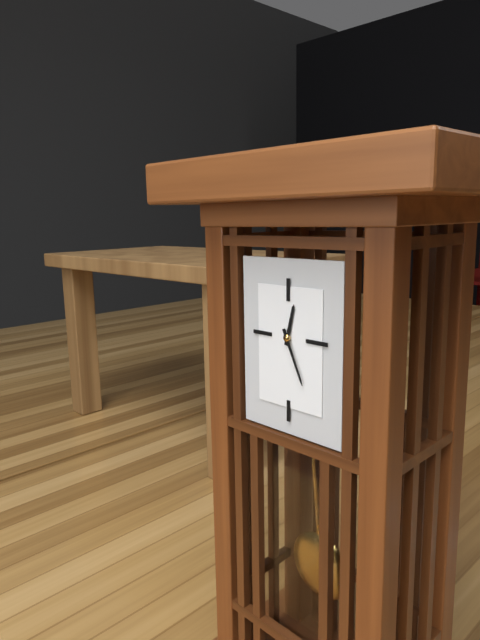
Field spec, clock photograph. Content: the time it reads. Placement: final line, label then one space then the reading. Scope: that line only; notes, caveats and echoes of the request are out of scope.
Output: 12:26
